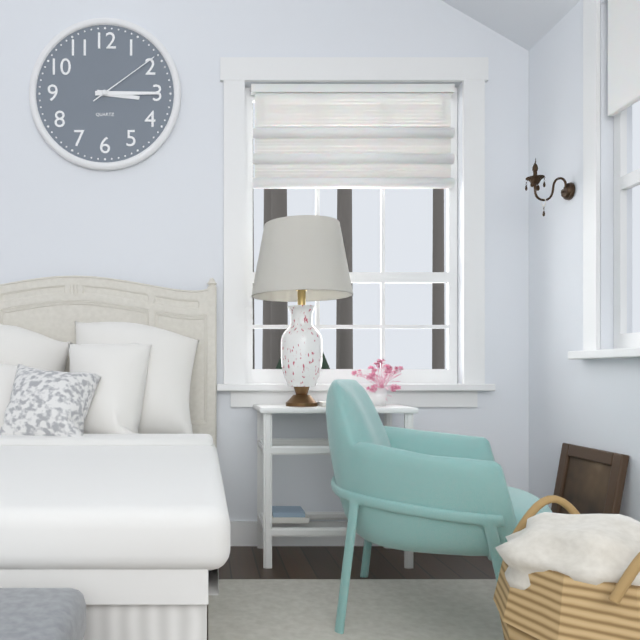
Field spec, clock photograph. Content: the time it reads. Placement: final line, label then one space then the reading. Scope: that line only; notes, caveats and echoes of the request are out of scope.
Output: 3:15:09
